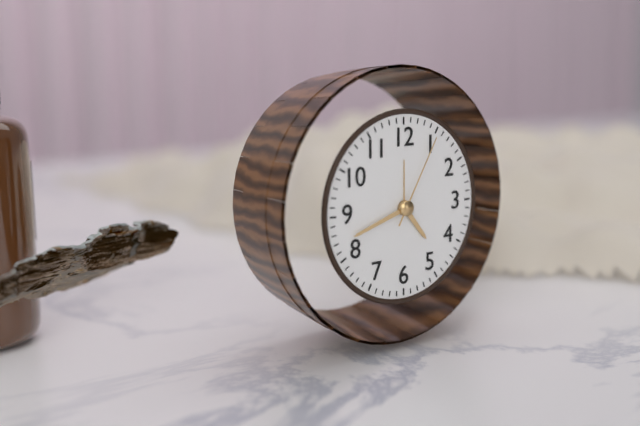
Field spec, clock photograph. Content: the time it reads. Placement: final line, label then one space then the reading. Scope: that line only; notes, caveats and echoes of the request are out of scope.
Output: 4:42:05
